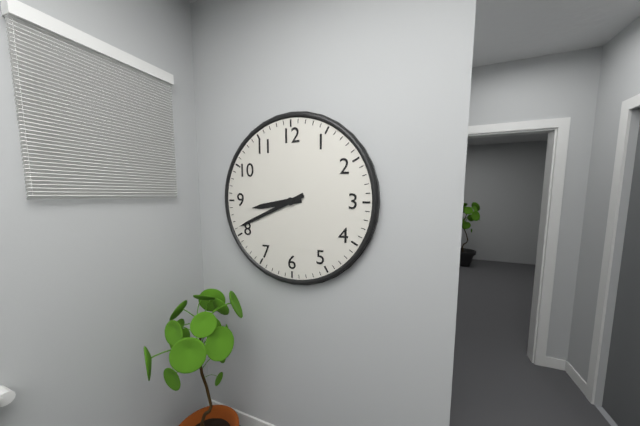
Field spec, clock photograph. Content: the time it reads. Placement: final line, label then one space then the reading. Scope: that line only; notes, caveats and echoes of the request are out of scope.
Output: 8:41
